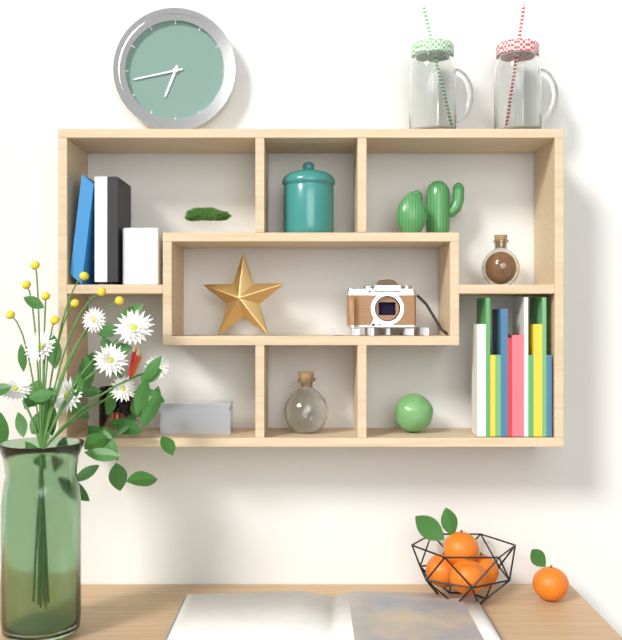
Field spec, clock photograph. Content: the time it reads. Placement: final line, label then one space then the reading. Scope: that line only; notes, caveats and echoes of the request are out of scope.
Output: 6:43
